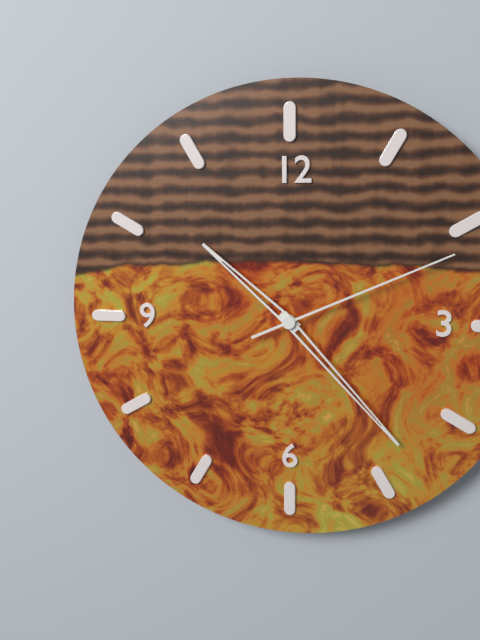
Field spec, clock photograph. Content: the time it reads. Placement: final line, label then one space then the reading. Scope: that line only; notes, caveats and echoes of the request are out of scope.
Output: 10:23:11
